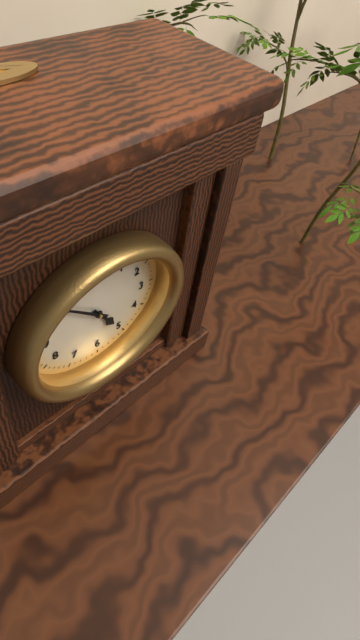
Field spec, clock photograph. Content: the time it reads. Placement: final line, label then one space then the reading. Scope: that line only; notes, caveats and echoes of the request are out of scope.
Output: 4:52
